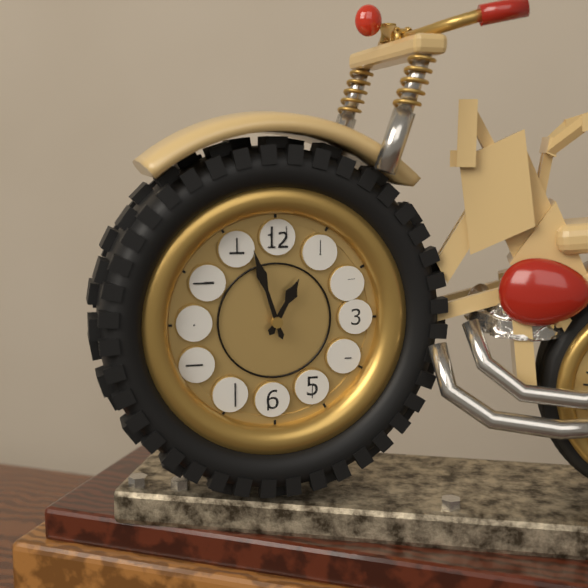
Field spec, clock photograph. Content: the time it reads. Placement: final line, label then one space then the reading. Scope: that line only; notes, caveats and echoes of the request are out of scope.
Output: 12:57
